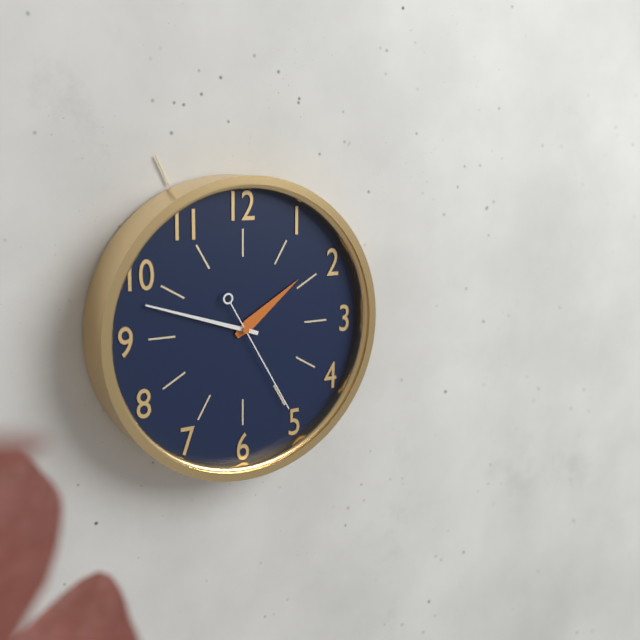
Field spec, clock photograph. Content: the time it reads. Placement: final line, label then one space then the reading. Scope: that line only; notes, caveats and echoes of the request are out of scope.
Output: 1:48:25
